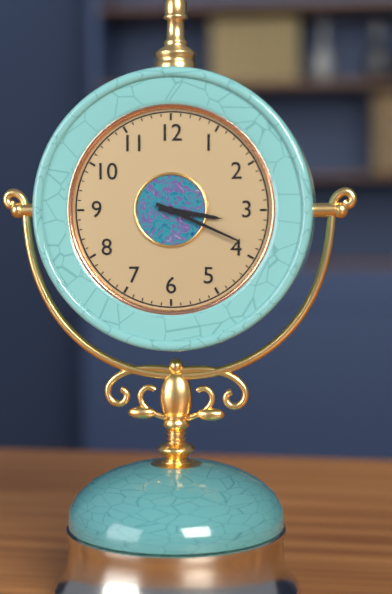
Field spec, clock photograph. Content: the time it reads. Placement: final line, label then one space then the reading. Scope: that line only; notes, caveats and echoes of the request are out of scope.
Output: 3:19
